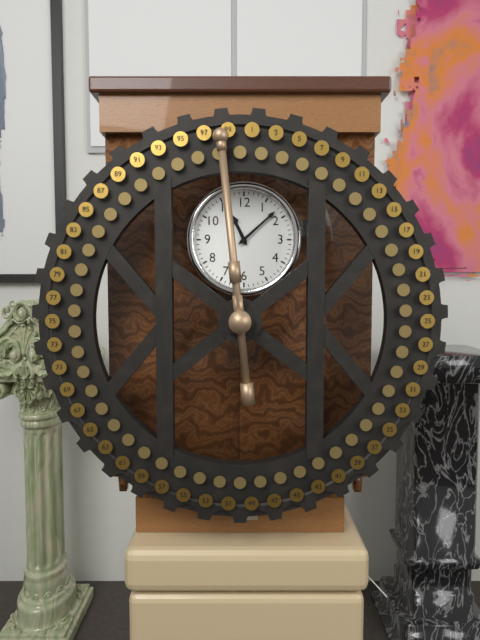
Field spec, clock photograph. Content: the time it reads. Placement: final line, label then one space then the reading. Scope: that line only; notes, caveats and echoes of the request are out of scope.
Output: 11:08
